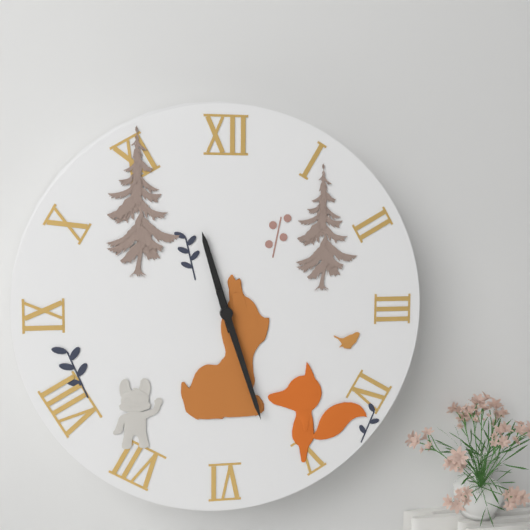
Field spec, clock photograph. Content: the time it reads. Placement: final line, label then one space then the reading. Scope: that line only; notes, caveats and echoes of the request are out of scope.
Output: 11:27
